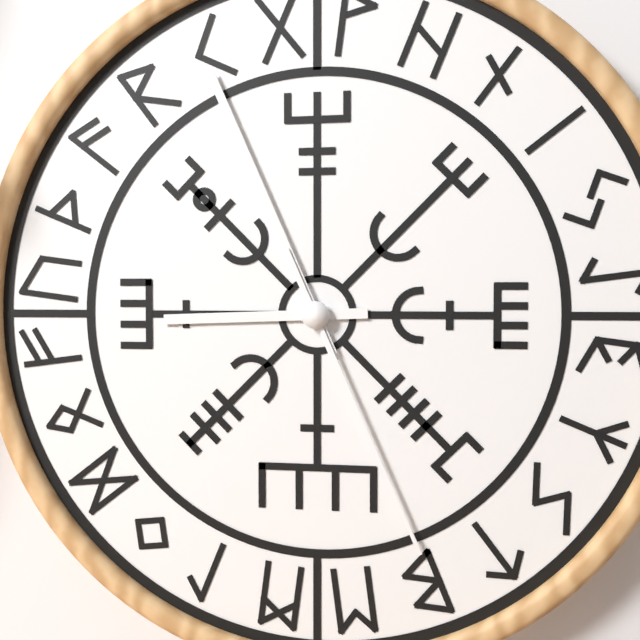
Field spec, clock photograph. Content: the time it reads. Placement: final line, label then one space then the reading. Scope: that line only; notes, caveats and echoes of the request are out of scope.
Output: 8:56:26
